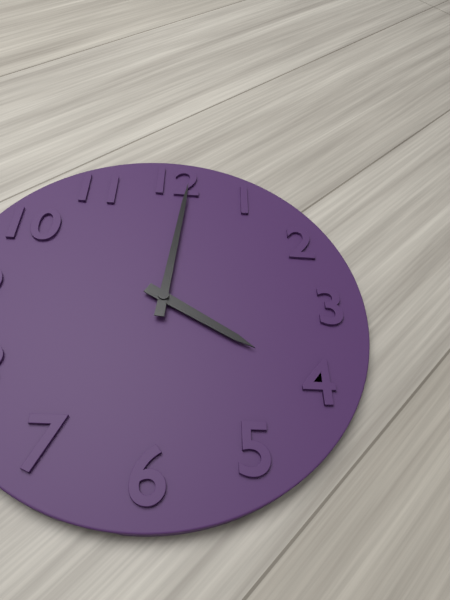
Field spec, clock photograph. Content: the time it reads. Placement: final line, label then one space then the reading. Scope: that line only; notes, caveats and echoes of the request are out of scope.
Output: 4:01
